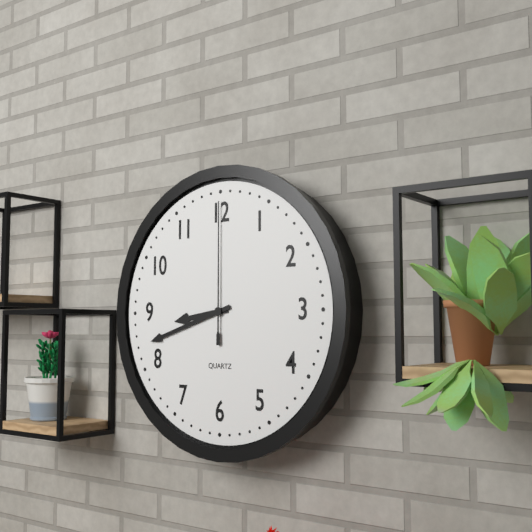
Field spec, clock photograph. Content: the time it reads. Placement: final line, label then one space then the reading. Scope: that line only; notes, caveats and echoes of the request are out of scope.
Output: 8:42:00
